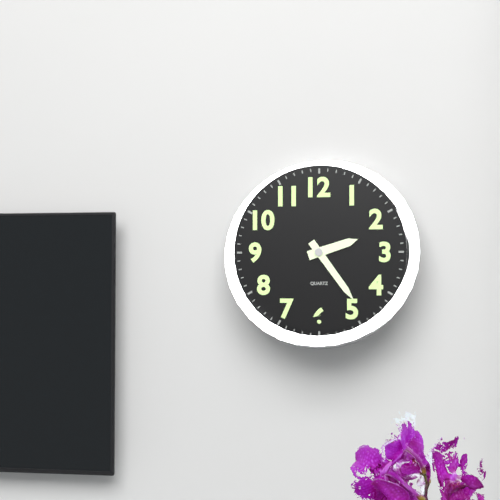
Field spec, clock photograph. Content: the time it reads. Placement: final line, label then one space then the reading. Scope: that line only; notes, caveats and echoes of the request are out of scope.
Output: 2:24
